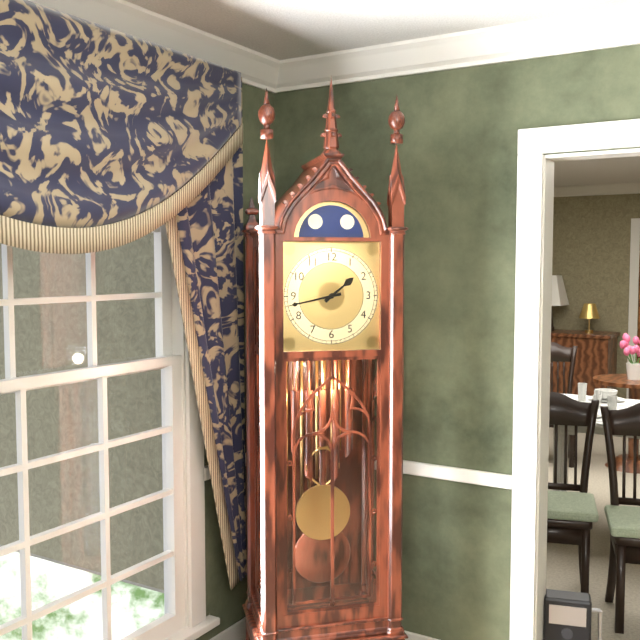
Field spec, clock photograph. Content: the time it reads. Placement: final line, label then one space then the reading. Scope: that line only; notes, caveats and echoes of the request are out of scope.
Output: 1:43
